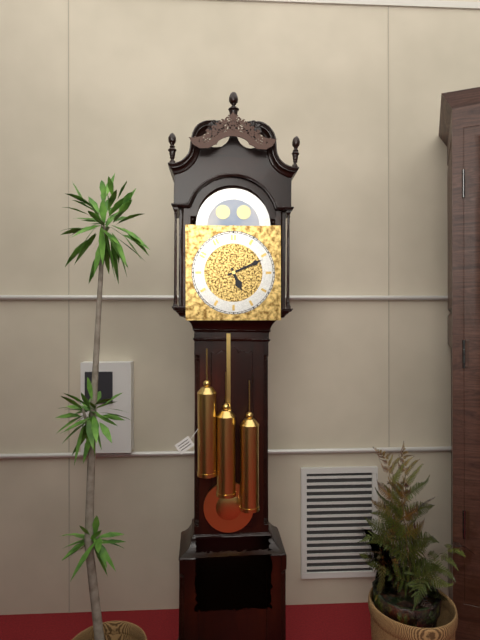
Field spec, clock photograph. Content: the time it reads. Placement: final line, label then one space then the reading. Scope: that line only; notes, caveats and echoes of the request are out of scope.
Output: 5:11
